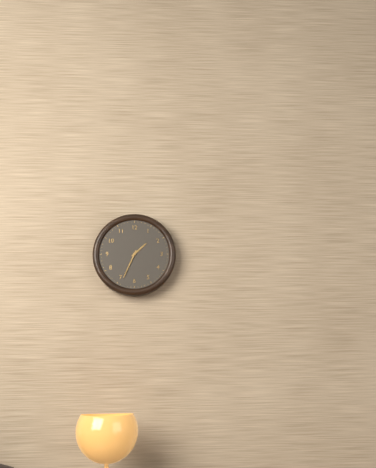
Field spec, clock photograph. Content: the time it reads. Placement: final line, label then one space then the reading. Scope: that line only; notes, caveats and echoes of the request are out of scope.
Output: 1:34
